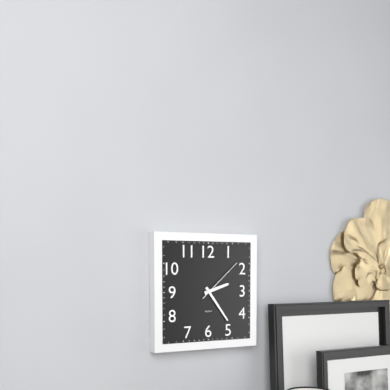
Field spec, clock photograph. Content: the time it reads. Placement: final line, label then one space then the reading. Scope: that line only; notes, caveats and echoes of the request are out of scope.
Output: 2:24
